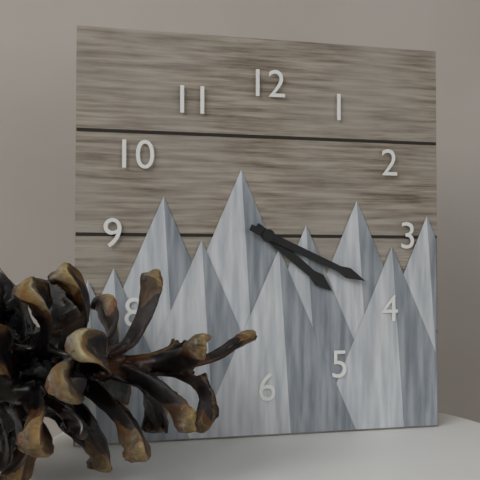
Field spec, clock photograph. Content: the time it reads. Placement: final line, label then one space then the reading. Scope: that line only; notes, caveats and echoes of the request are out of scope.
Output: 4:19
